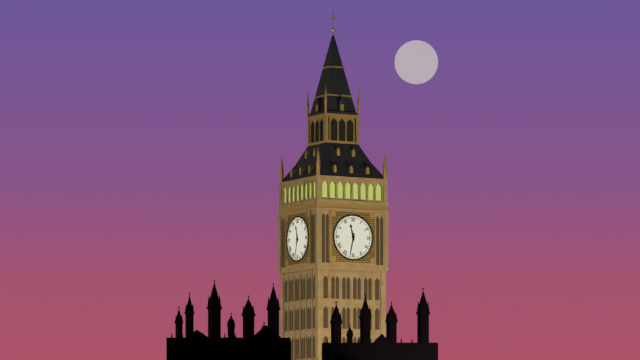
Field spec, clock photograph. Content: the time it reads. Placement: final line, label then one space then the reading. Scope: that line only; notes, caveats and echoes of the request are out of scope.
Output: 11:32
